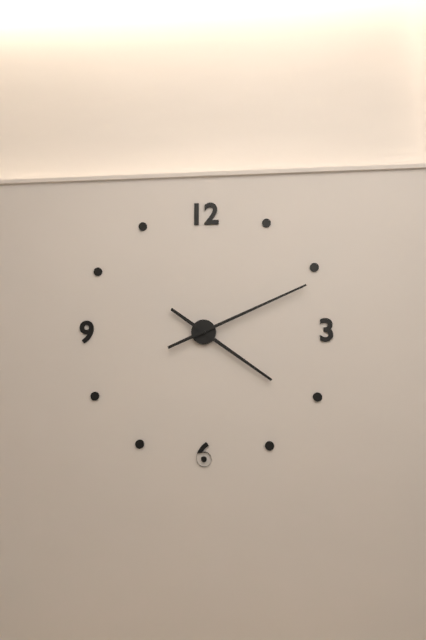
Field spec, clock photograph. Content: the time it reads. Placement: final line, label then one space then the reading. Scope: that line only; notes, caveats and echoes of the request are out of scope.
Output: 4:11
